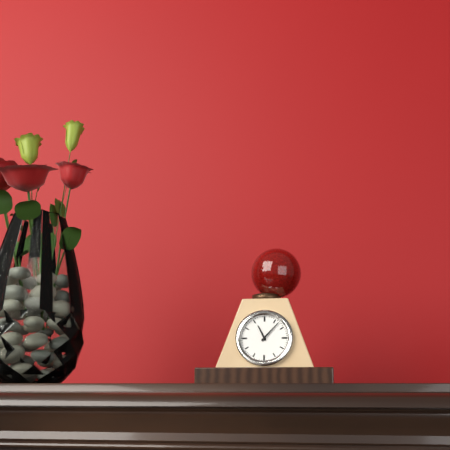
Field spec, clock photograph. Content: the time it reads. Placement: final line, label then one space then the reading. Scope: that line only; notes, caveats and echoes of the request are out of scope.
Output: 11:07
